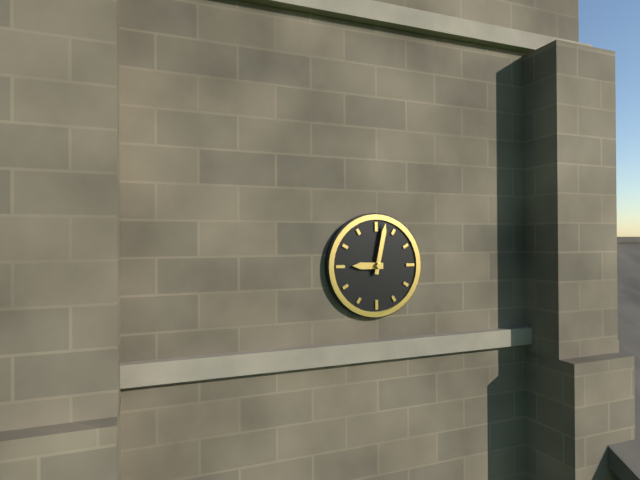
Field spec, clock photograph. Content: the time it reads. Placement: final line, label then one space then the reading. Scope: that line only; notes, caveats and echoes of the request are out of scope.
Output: 9:02
